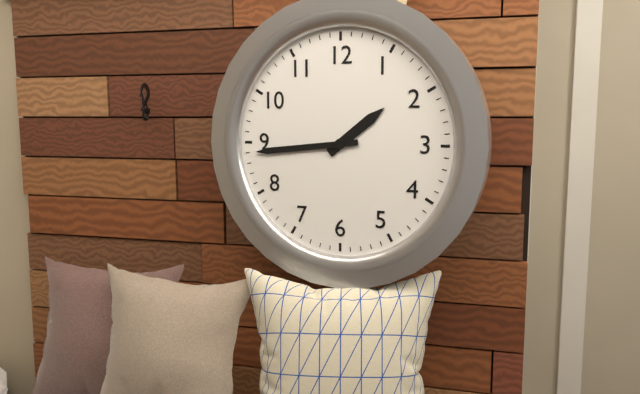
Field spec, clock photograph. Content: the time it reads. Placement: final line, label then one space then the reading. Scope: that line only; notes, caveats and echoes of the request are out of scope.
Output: 1:44
